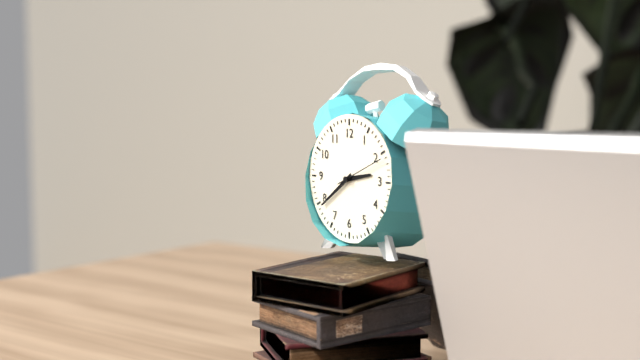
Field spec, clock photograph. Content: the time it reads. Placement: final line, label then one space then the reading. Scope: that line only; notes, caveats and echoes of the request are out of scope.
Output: 2:39
